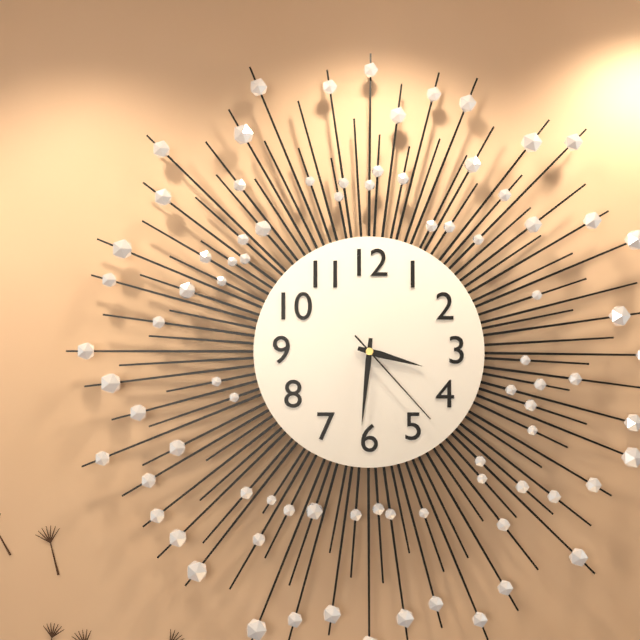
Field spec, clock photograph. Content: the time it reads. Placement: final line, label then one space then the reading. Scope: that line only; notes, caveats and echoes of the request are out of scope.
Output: 3:31:23
